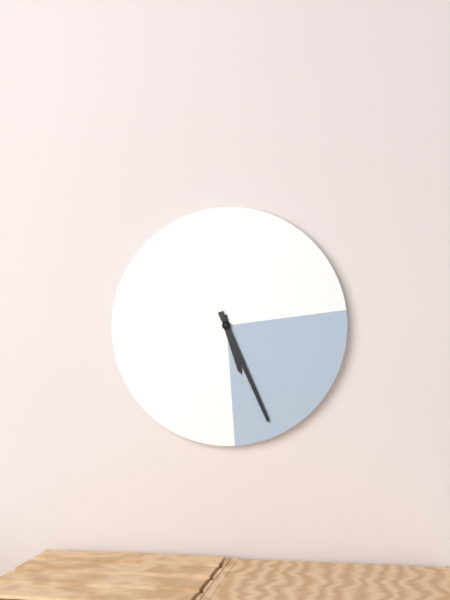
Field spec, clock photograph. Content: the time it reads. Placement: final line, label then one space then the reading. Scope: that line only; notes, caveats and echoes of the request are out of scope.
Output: 5:26
